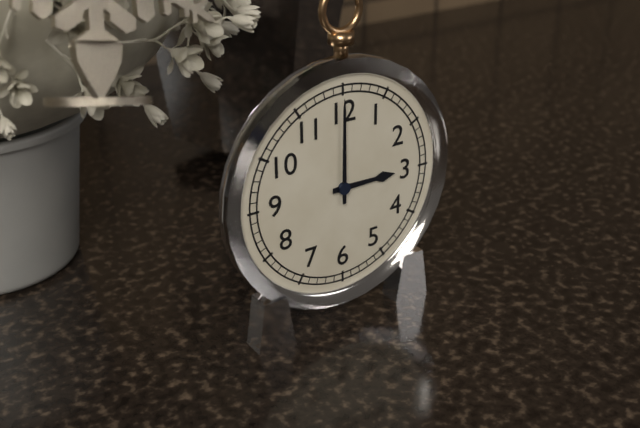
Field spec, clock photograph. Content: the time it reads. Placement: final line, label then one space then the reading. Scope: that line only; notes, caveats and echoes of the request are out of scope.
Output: 3:00
